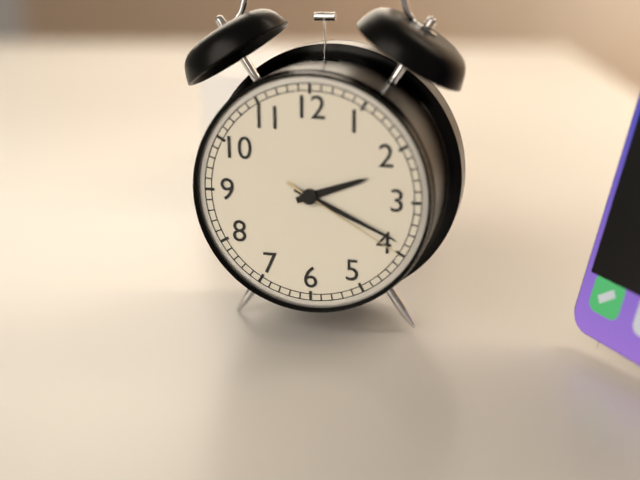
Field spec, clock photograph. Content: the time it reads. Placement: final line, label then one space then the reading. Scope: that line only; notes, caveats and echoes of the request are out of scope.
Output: 2:19:20
